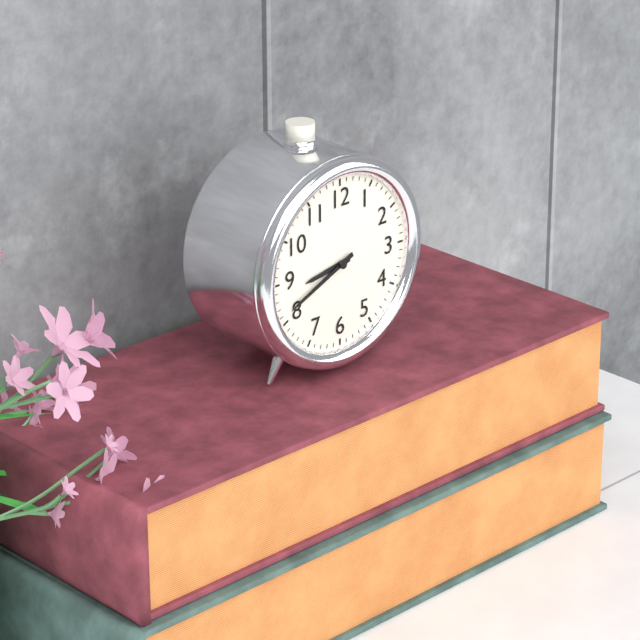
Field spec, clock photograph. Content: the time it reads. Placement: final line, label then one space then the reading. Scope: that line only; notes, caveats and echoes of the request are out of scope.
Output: 8:41
